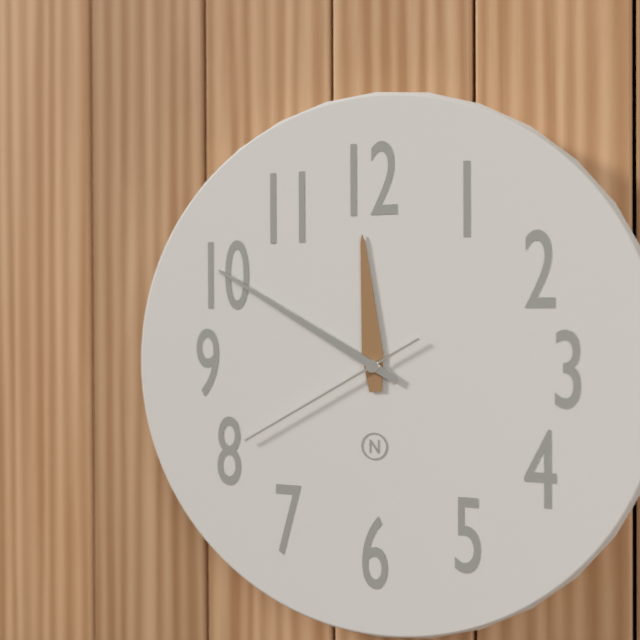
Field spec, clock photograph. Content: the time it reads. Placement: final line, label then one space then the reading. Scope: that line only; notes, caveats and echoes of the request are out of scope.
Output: 11:50:40
